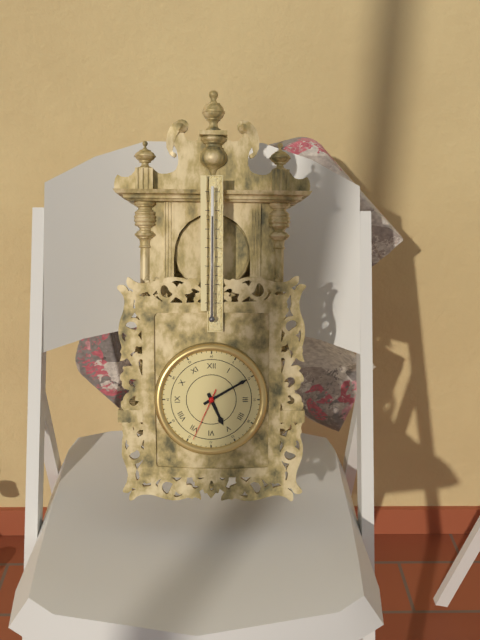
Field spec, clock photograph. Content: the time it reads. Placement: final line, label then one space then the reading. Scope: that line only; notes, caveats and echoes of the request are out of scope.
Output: 5:10:34
